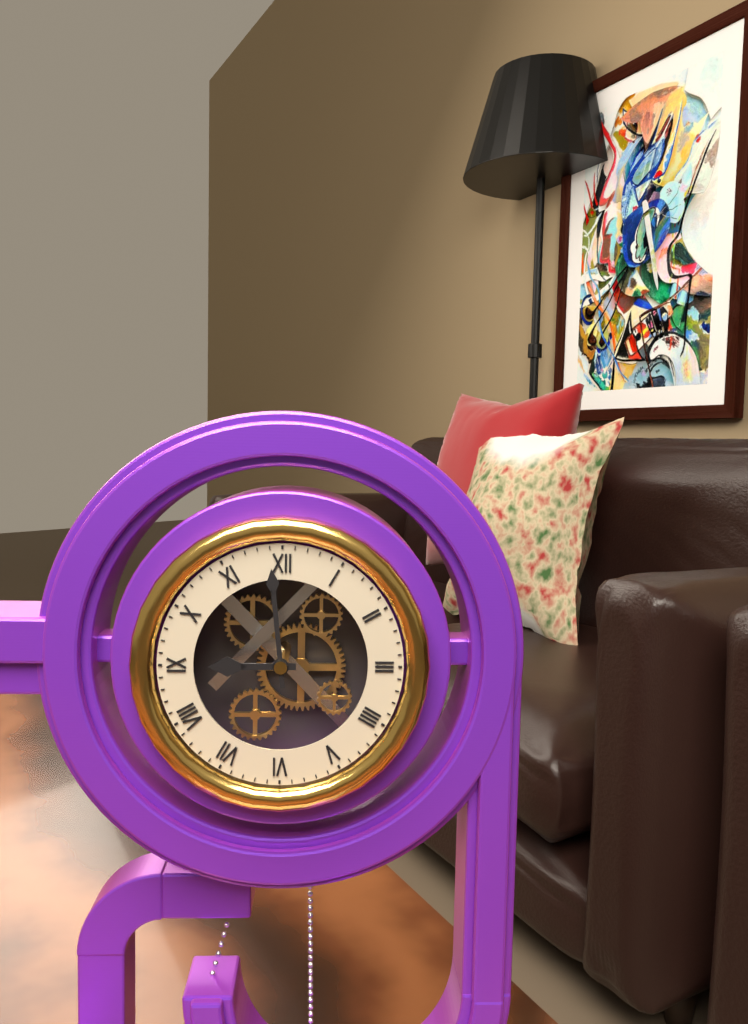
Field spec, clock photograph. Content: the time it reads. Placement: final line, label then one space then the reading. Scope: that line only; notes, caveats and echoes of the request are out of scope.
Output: 8:59
